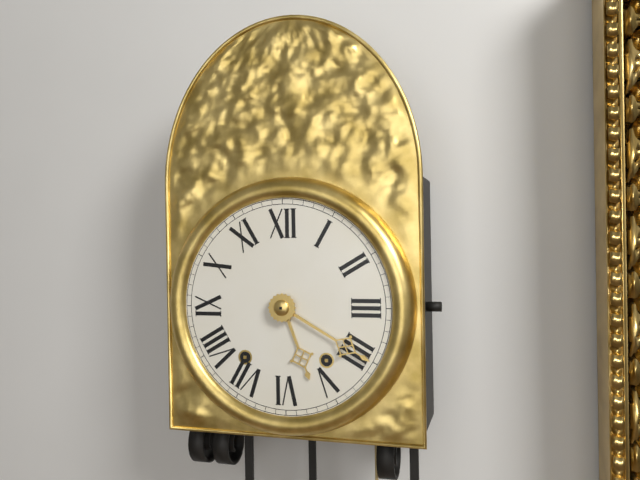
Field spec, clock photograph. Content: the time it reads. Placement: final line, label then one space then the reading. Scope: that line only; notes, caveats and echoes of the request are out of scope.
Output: 5:20
